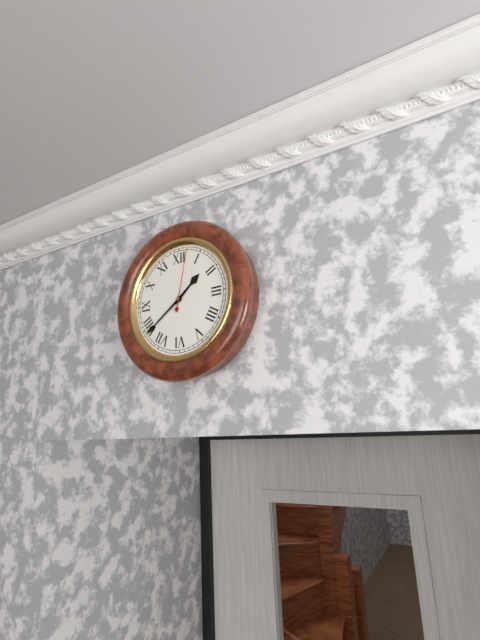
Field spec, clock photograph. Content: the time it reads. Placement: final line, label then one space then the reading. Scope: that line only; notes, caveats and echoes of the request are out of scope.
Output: 1:39:02
